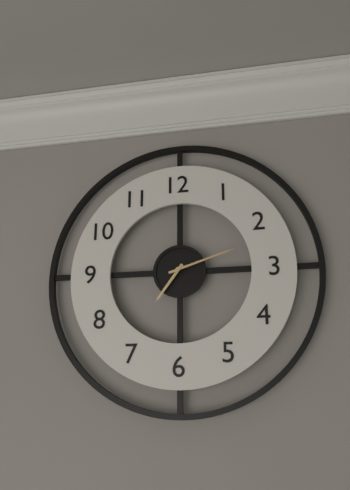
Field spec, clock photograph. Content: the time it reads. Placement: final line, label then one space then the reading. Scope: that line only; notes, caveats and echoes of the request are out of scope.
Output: 7:12
